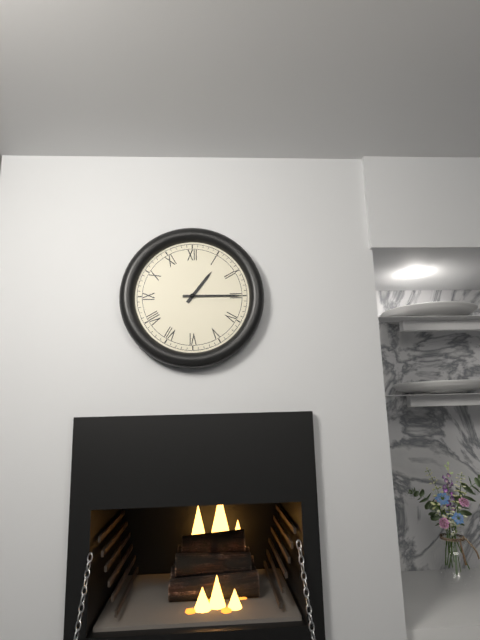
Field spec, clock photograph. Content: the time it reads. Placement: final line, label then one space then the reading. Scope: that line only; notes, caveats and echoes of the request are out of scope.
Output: 1:15
